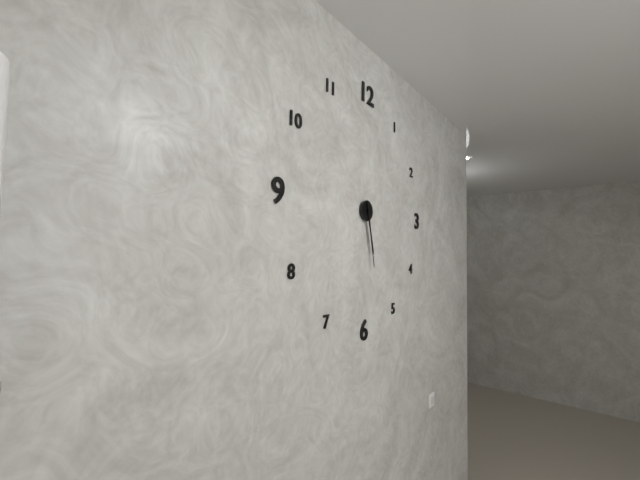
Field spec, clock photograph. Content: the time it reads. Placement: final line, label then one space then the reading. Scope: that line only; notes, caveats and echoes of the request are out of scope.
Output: 5:28
